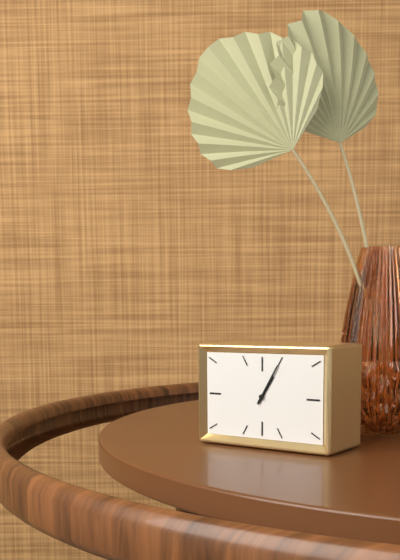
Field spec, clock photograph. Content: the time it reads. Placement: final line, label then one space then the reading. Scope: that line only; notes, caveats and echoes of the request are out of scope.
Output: 1:05
